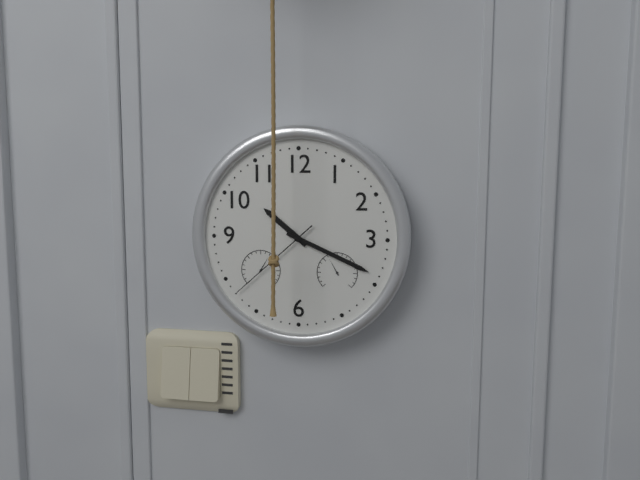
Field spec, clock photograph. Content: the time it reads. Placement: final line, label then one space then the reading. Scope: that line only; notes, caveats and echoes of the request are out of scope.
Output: 10:19:38
